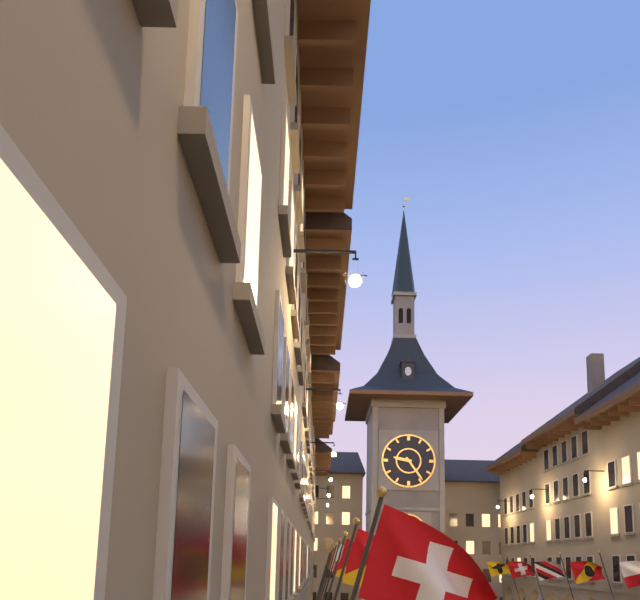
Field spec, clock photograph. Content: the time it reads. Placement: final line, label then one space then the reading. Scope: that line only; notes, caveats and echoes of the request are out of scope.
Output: 9:24
